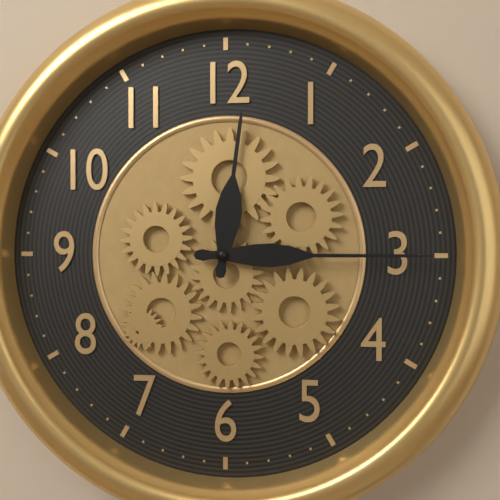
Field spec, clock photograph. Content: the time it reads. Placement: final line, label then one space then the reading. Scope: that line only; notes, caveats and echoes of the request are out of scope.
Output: 12:15
